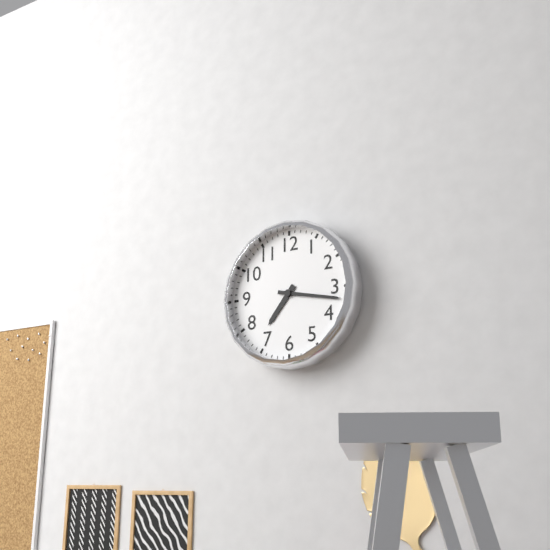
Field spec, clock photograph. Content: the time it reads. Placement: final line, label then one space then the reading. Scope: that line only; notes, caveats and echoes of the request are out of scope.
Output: 7:17
